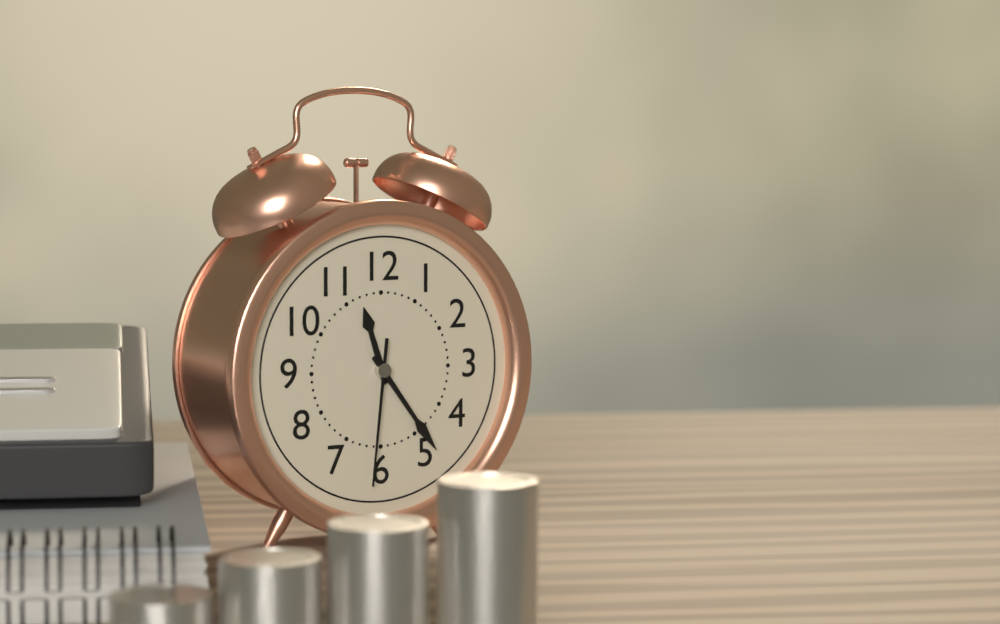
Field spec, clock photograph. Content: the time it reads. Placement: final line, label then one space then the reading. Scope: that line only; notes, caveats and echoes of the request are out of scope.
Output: 11:24:31
